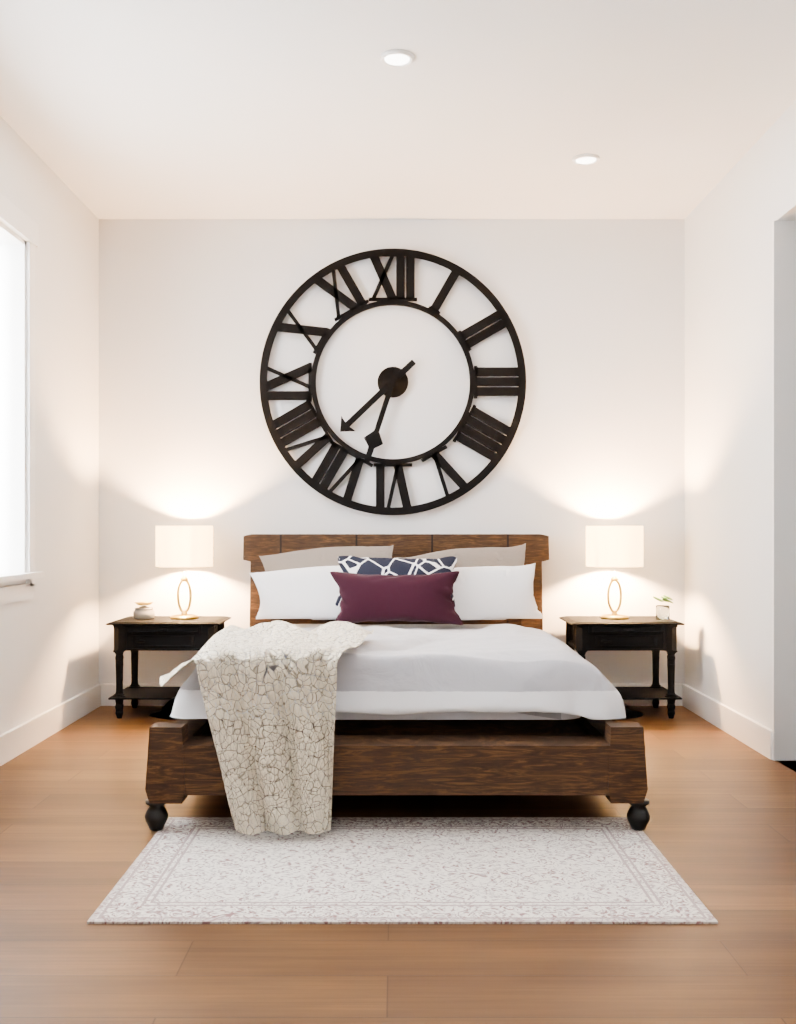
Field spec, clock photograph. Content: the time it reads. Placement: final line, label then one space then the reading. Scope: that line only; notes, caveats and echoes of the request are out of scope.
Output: 7:33
